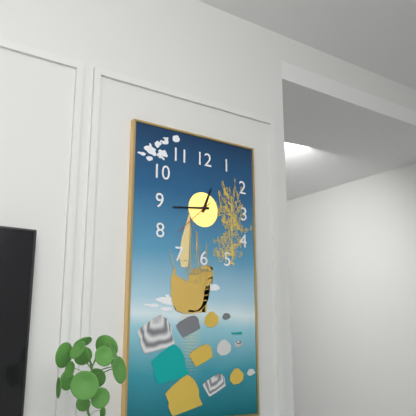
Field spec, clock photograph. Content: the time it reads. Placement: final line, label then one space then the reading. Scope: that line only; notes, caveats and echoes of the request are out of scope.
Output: 12:44
